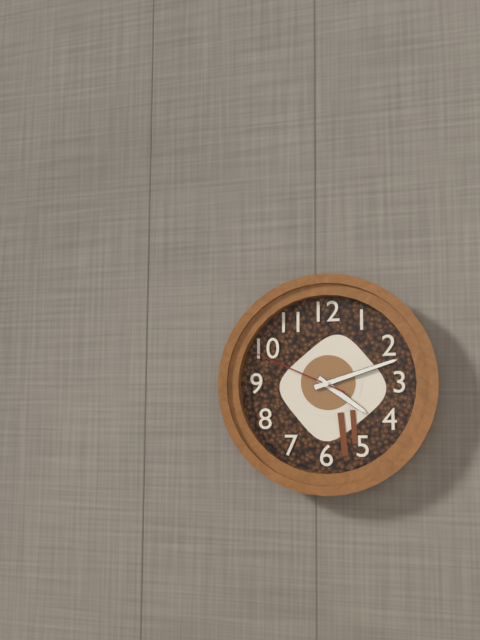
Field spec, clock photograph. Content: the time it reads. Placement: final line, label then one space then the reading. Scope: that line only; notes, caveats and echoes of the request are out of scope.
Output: 4:12:49
